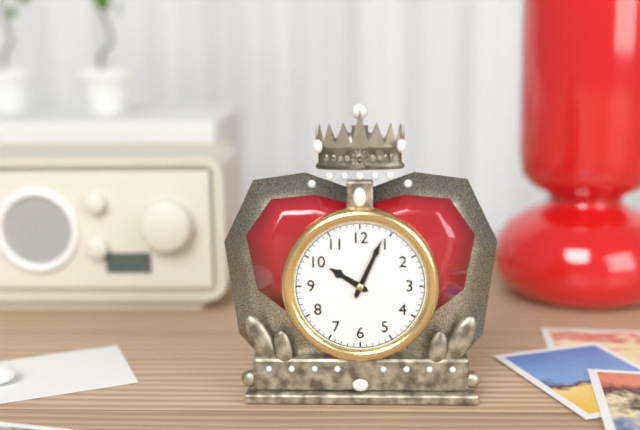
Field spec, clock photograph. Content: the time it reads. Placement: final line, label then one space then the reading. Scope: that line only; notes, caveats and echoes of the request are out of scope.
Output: 10:04
